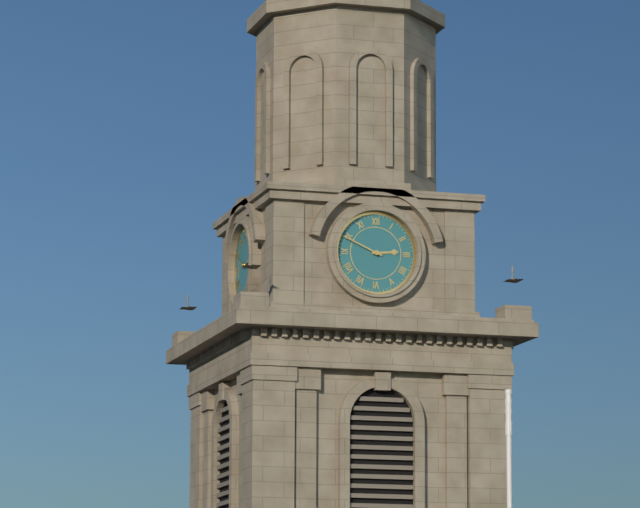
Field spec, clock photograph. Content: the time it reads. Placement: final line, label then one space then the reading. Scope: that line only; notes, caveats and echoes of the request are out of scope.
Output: 2:49
